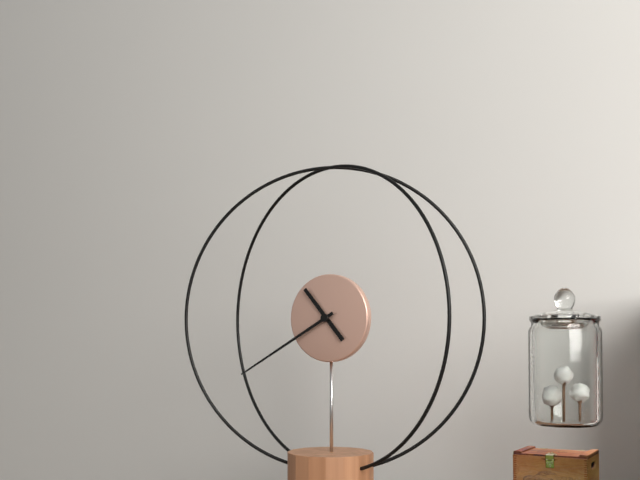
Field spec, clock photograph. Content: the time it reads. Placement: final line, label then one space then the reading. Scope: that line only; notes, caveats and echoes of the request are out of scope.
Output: 10:40
